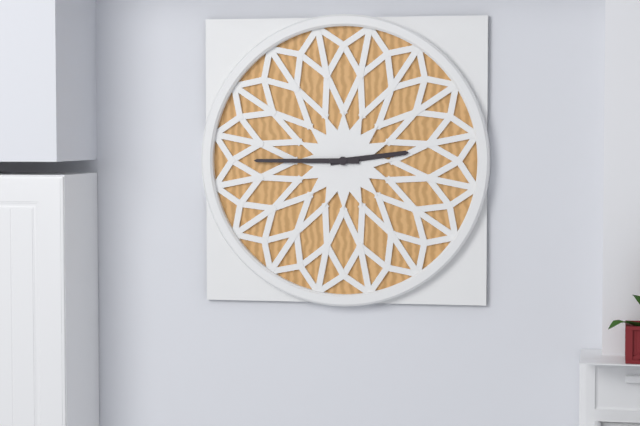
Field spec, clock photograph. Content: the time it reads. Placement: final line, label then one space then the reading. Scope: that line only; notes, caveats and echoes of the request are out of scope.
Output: 2:45
